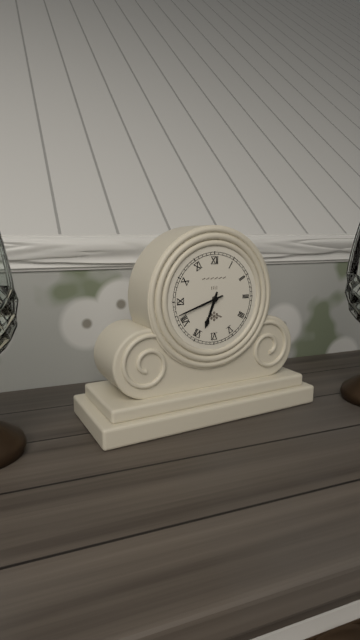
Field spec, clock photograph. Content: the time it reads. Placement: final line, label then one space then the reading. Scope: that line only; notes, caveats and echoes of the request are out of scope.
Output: 6:42
